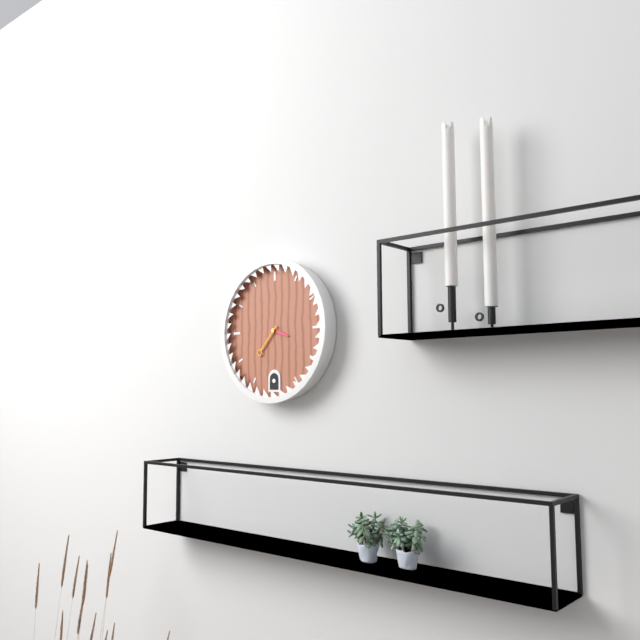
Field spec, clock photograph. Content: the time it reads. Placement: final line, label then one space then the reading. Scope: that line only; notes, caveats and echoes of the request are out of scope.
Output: 3:37
